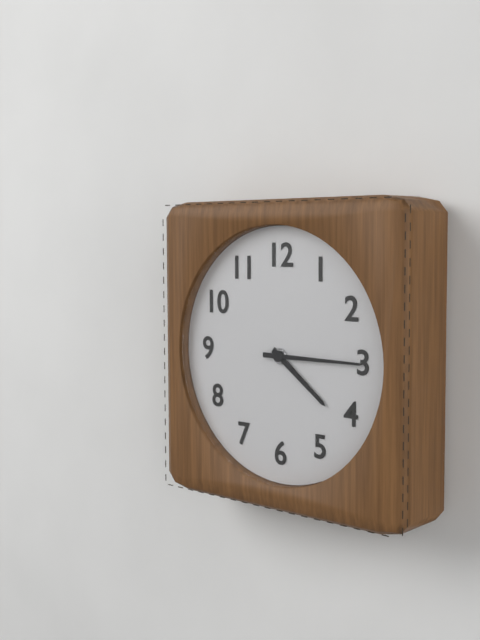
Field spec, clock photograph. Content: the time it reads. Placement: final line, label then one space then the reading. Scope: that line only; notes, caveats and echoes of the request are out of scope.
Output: 4:15
